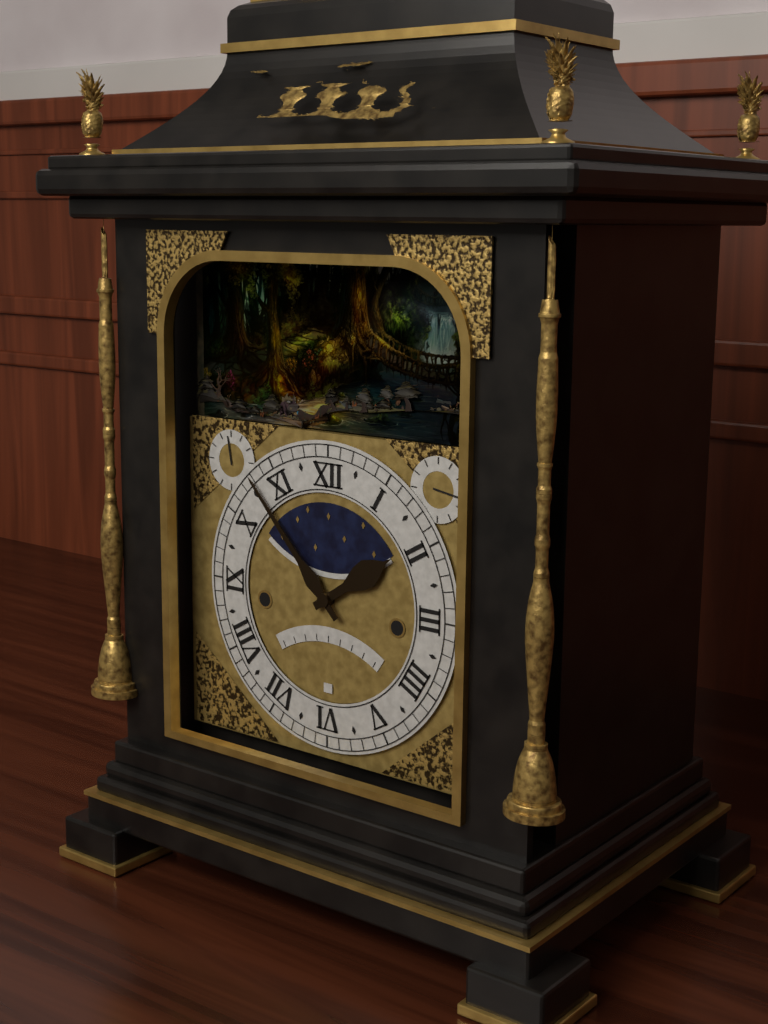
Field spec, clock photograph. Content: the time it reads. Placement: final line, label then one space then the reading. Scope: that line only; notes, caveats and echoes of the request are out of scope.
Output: 1:53
